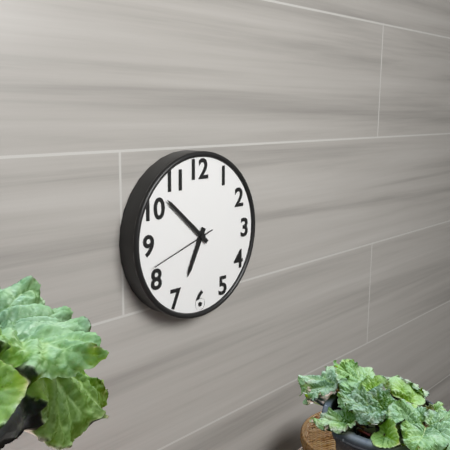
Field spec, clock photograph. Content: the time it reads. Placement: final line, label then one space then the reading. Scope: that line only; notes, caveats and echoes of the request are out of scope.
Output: 6:52:42
